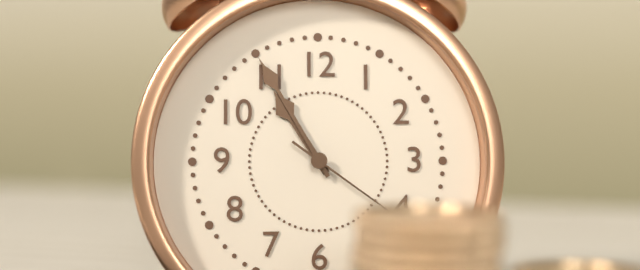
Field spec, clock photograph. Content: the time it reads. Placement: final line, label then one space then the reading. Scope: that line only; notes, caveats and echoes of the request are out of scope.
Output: 10:55
